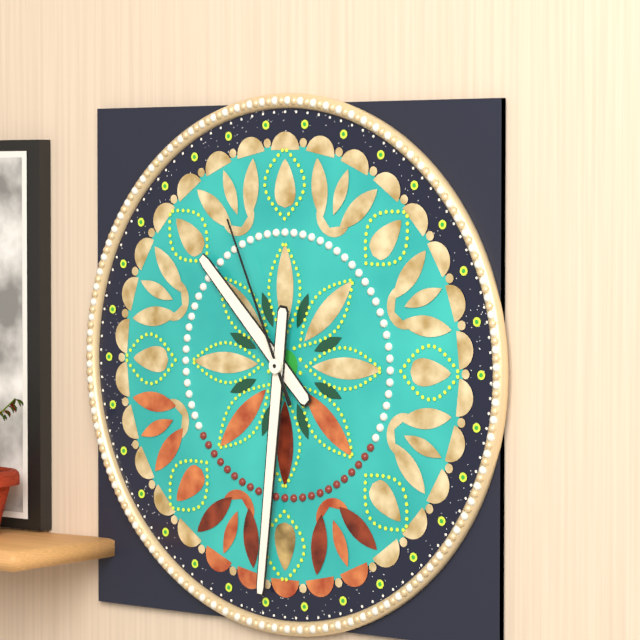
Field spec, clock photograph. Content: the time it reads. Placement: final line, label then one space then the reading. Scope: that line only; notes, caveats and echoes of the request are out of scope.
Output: 10:31:56
